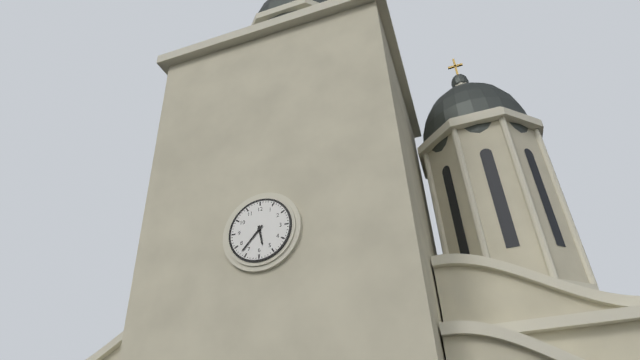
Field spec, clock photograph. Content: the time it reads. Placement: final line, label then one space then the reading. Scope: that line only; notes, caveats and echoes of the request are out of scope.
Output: 5:37
